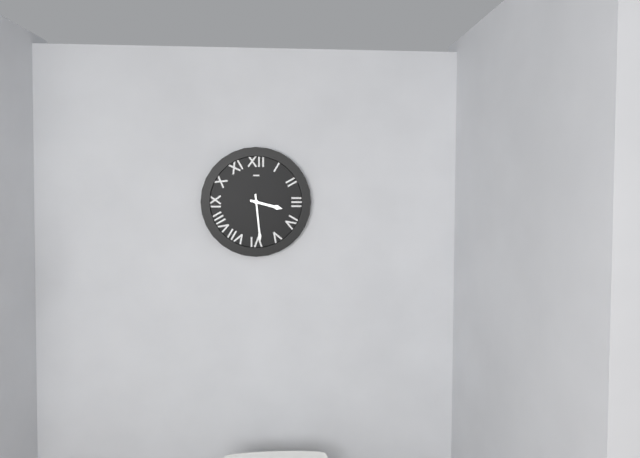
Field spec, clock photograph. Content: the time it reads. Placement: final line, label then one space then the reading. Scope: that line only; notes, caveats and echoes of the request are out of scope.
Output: 3:29
